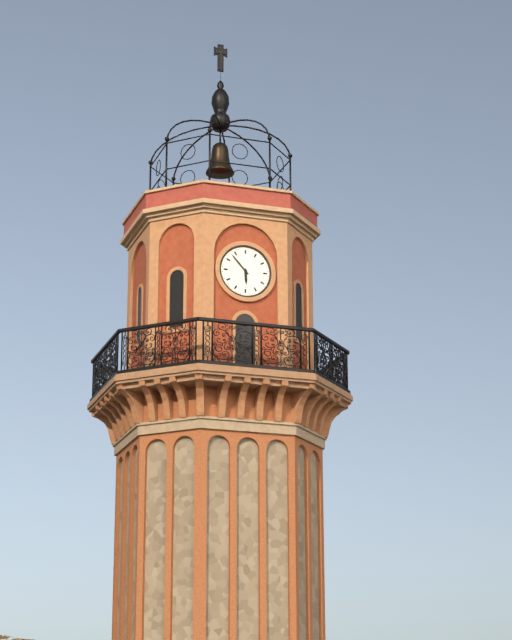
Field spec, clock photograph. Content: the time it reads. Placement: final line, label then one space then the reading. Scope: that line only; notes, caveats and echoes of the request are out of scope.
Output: 5:53
